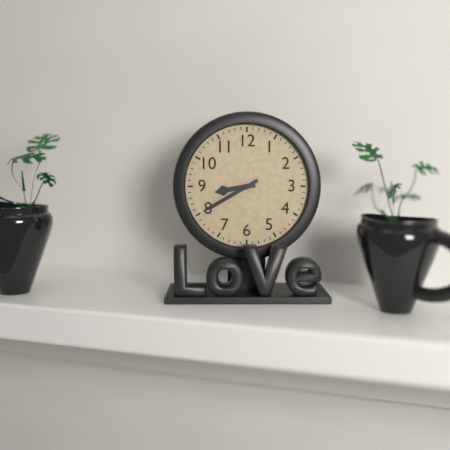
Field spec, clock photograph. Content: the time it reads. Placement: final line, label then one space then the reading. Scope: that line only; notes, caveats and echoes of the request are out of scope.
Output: 8:40
